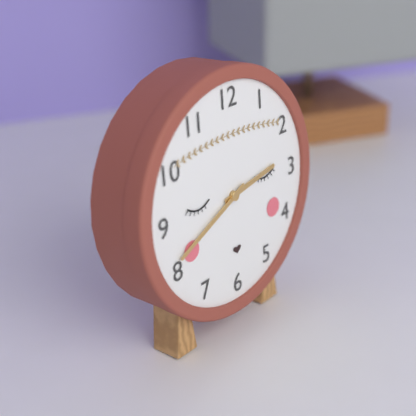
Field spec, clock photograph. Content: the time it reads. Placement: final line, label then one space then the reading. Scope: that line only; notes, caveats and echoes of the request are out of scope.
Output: 2:41
